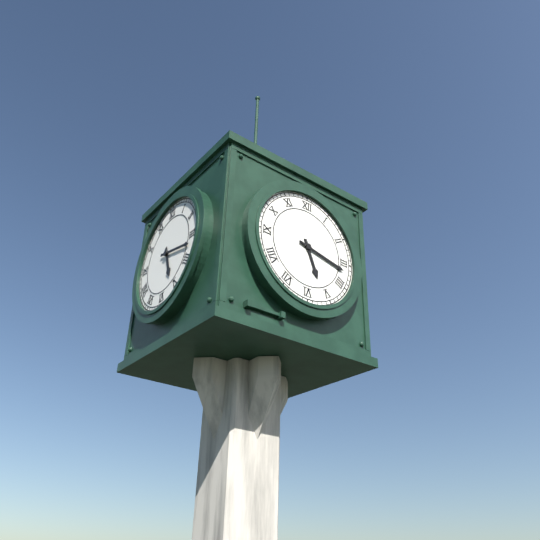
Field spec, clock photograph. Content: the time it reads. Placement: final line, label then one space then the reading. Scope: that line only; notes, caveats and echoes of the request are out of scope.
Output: 5:17
